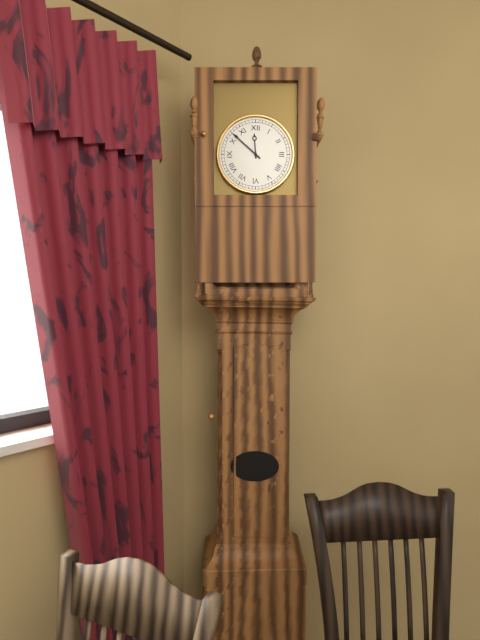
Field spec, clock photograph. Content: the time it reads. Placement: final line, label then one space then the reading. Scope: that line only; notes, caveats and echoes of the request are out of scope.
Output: 11:52
